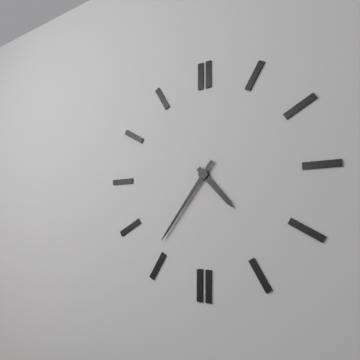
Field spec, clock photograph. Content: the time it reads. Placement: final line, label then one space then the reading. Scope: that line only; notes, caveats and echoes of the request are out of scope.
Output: 4:36
